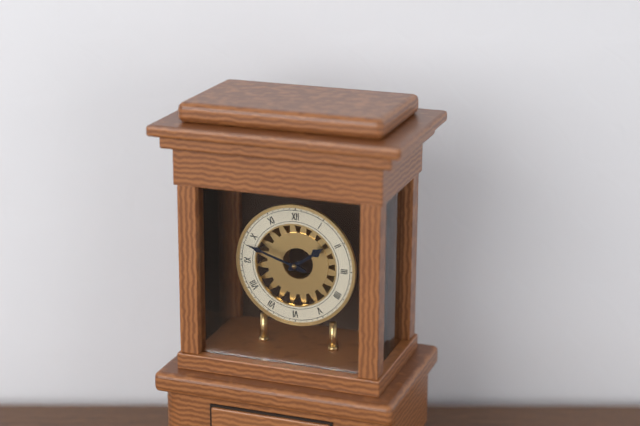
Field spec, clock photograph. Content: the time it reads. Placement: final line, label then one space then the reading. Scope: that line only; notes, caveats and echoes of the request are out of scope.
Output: 1:48
